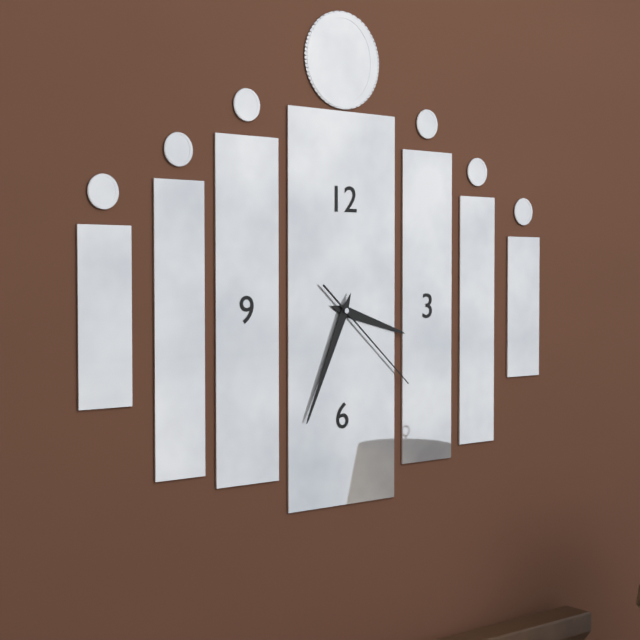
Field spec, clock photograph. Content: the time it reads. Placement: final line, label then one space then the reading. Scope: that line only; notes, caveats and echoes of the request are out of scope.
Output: 3:34:22
